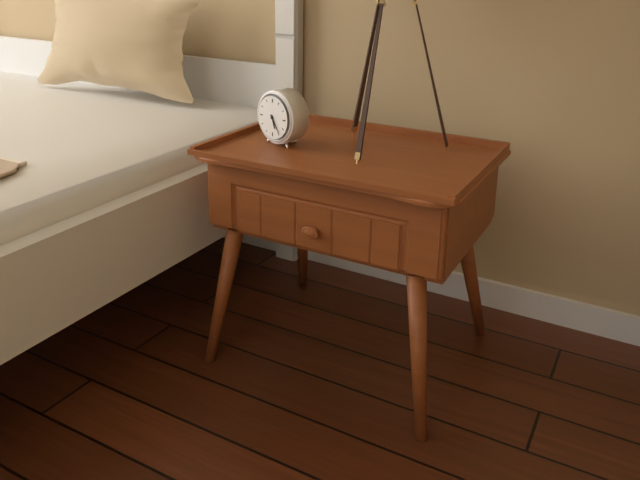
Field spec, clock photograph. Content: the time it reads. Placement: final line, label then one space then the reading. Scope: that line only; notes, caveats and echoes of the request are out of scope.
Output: 5:24
